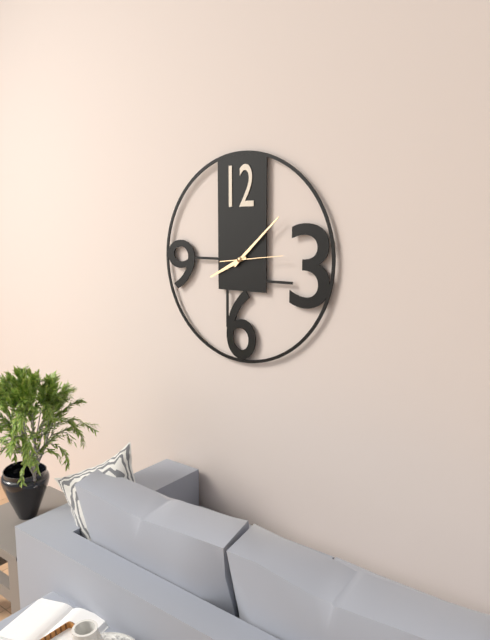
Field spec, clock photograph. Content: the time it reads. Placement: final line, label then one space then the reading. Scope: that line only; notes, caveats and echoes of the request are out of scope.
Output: 8:08:14
